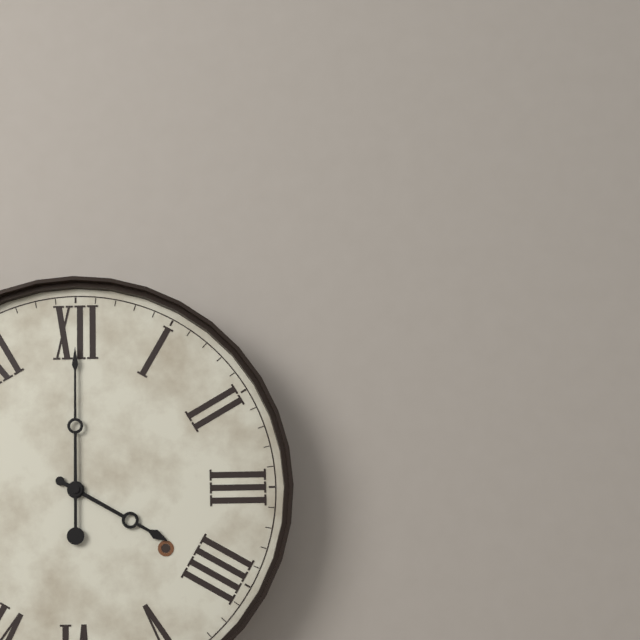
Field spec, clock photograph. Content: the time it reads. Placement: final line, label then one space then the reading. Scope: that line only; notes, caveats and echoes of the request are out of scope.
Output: 4:00
